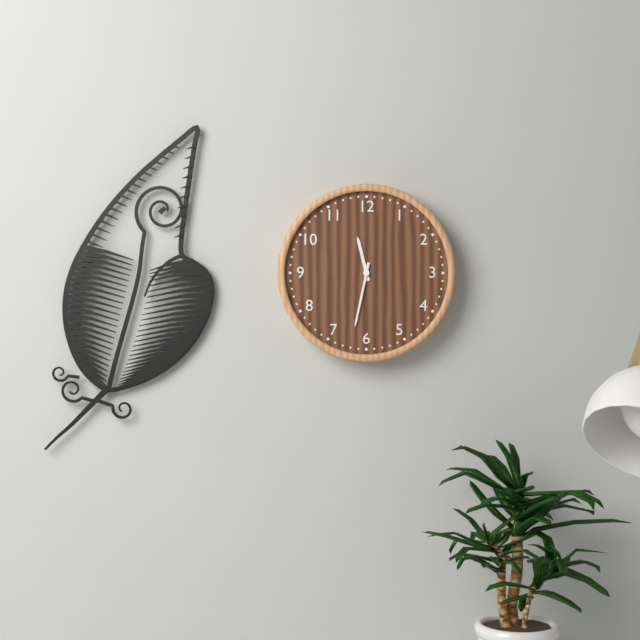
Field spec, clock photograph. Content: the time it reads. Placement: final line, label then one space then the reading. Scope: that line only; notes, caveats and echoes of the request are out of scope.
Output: 11:32
